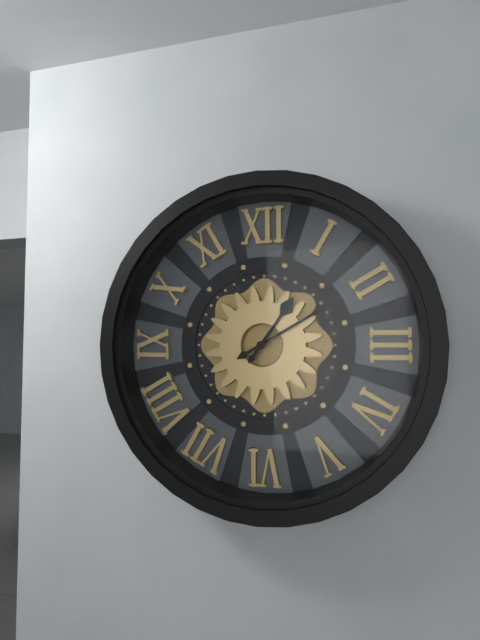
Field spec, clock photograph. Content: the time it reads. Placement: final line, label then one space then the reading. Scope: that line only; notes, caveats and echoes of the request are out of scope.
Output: 1:10
